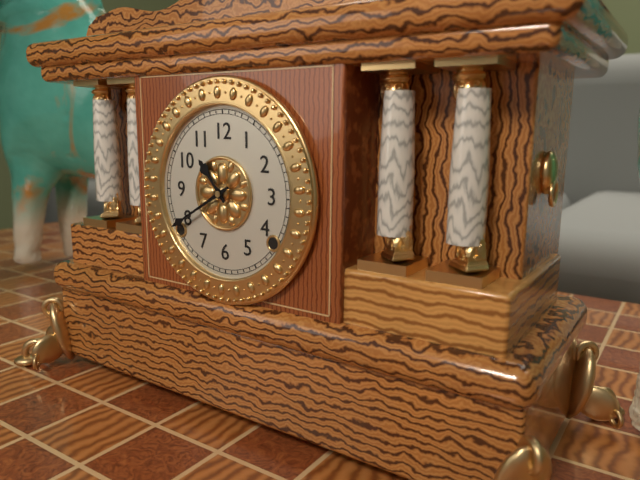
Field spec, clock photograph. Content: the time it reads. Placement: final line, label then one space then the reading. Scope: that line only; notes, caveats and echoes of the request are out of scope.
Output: 10:40
